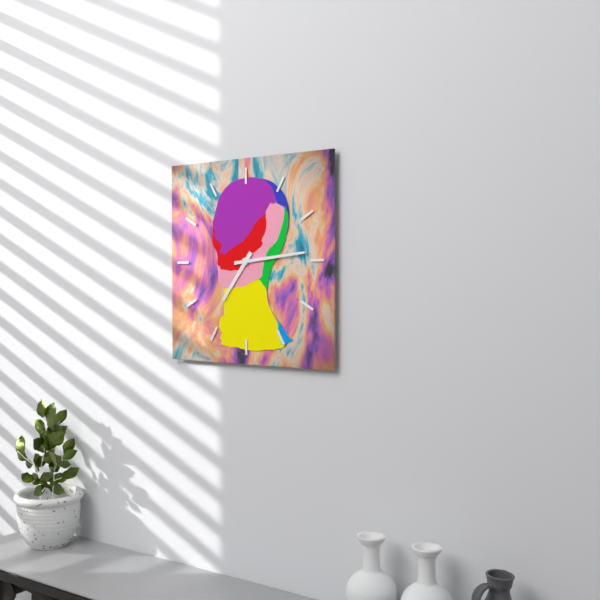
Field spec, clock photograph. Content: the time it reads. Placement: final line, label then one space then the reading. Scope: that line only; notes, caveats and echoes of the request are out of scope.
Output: 7:14
